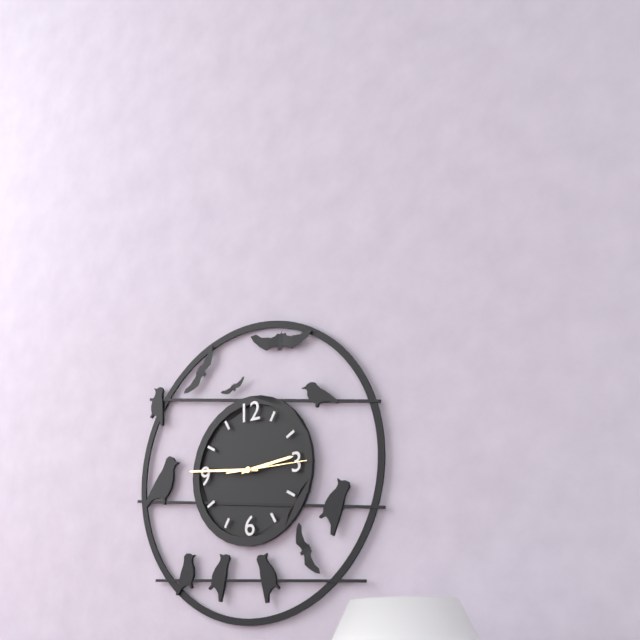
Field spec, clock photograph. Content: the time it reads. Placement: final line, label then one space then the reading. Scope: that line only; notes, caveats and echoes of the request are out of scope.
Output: 2:46:15
